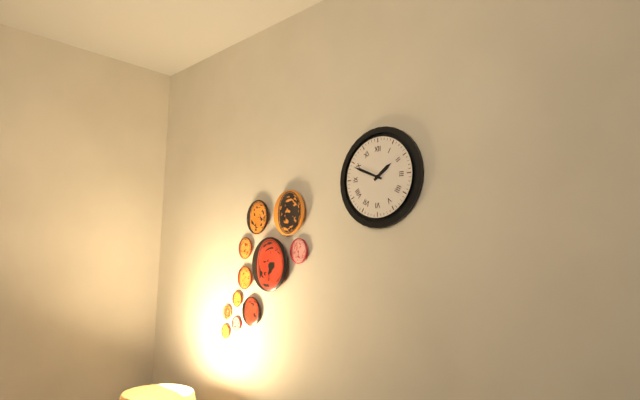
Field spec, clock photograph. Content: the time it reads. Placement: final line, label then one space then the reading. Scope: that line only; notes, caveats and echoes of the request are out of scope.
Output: 1:49
